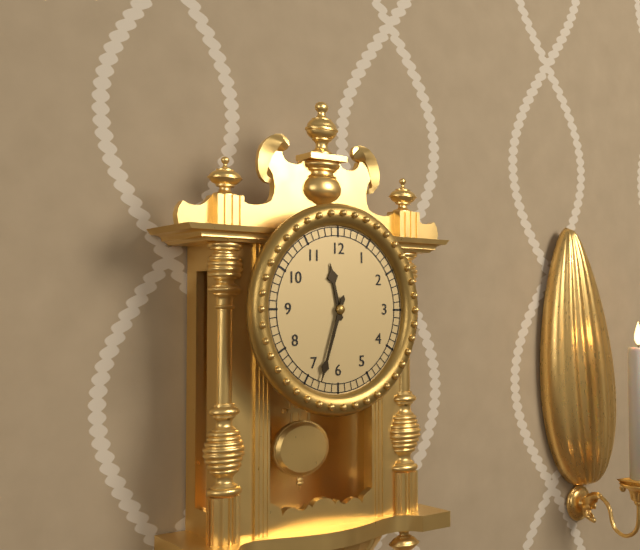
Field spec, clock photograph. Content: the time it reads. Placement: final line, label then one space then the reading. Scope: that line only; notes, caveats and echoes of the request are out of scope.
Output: 11:33
